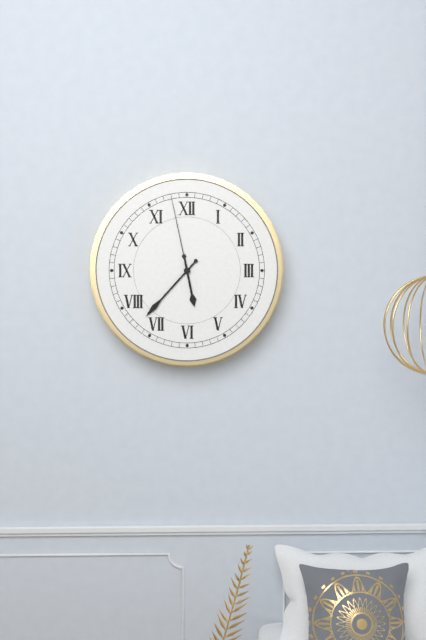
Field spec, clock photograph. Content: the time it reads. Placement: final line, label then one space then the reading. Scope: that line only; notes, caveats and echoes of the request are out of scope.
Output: 5:37:58
